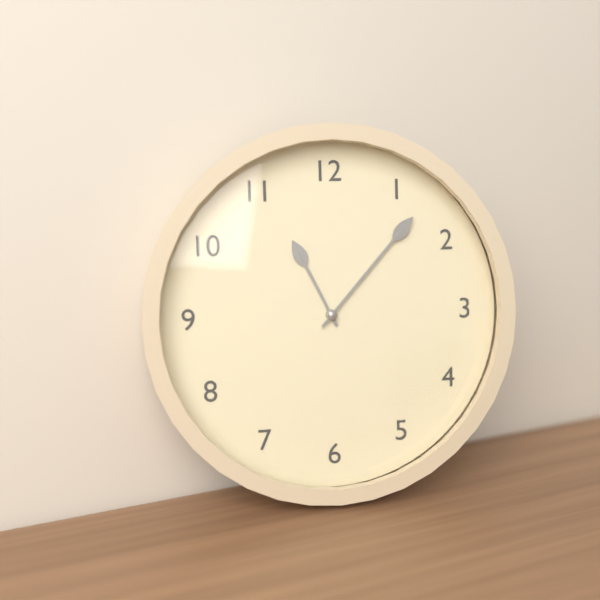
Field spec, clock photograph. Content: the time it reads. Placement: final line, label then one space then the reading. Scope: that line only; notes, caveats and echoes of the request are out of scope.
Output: 11:07
